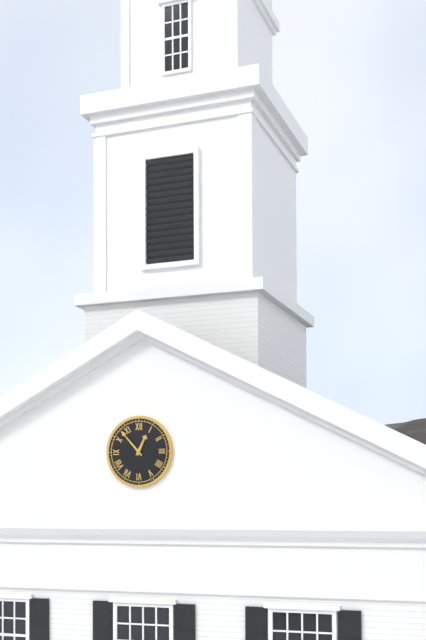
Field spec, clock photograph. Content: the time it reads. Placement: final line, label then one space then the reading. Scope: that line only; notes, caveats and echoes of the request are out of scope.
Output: 12:53
